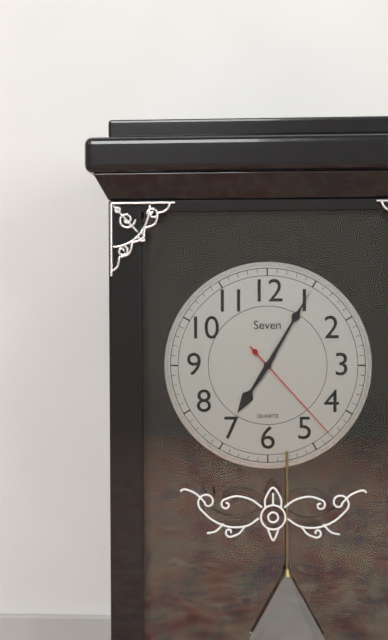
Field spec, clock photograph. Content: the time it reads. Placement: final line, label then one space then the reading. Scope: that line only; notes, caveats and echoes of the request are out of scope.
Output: 7:05:23
